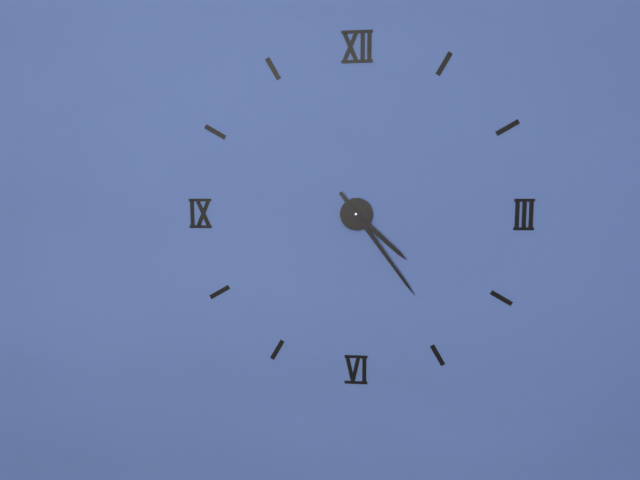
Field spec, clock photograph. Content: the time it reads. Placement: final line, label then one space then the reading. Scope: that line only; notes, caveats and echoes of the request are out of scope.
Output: 4:24
